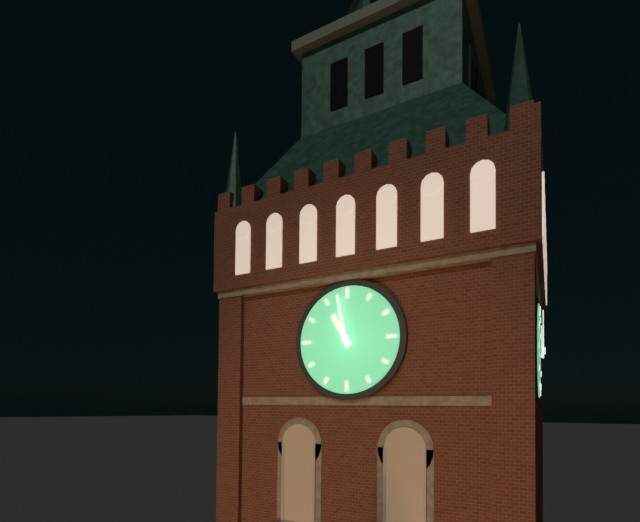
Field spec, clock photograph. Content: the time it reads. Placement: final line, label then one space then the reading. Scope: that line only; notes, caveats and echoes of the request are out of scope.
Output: 10:58
